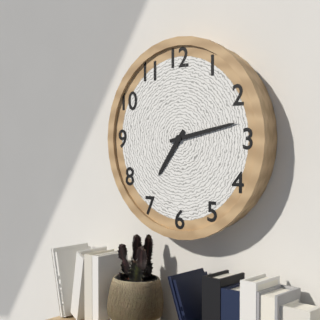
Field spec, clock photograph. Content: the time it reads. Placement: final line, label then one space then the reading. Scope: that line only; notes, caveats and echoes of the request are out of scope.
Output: 7:13
